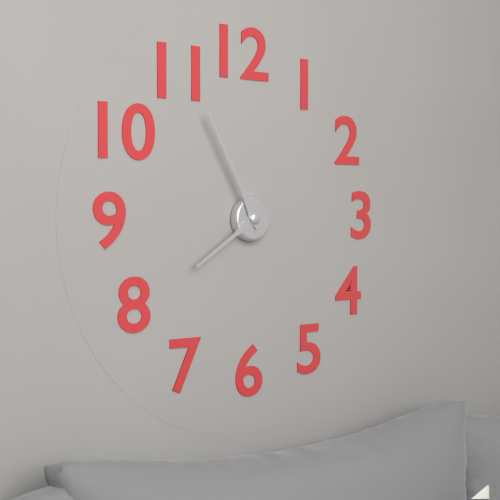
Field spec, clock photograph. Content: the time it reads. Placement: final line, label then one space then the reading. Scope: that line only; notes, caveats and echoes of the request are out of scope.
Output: 7:55
